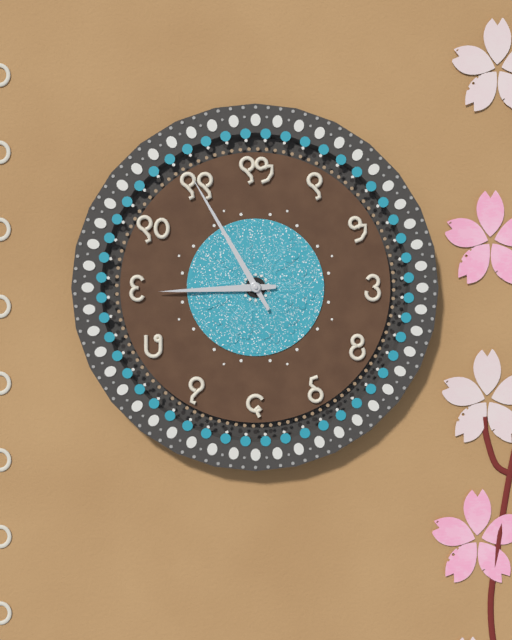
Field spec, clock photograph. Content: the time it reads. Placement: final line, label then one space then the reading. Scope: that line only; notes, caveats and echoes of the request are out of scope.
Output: 8:55
